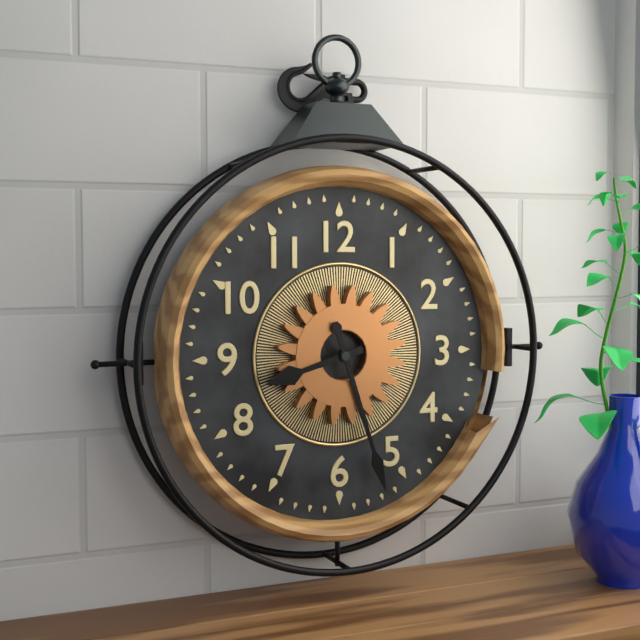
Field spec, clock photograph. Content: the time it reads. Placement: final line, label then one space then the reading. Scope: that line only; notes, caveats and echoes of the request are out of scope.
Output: 8:27
